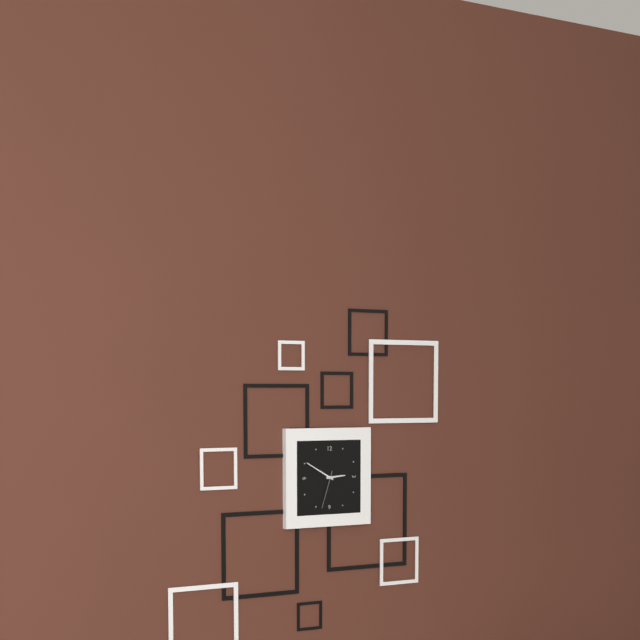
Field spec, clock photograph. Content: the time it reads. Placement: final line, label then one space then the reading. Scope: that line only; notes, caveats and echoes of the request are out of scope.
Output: 2:50
